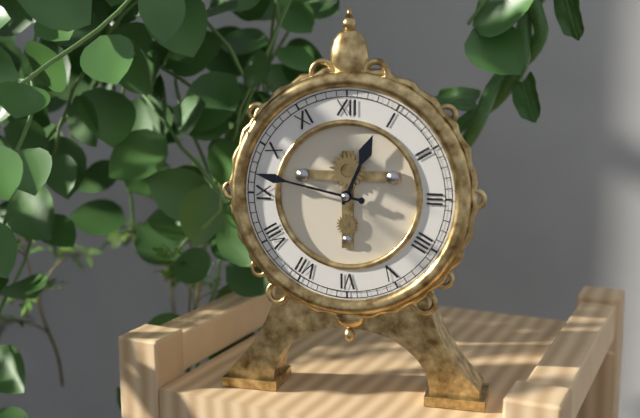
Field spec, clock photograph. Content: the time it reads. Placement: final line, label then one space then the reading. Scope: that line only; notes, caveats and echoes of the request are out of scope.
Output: 12:47
